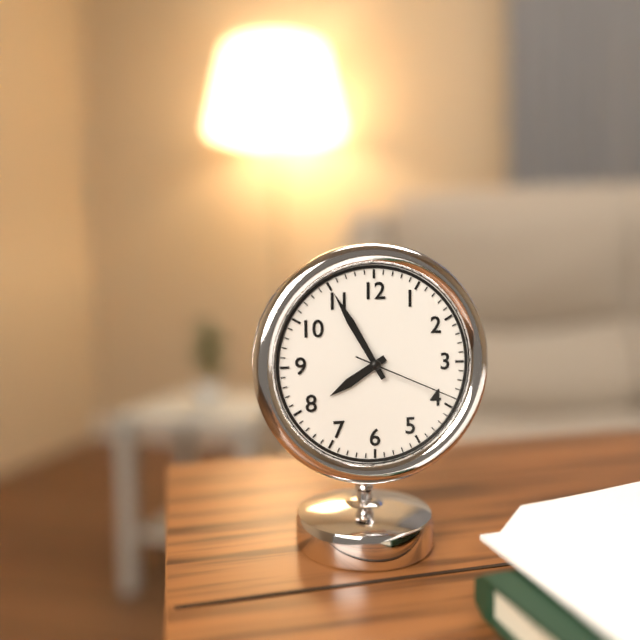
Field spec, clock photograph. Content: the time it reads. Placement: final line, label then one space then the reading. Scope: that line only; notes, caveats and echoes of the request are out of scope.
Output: 7:55:19
